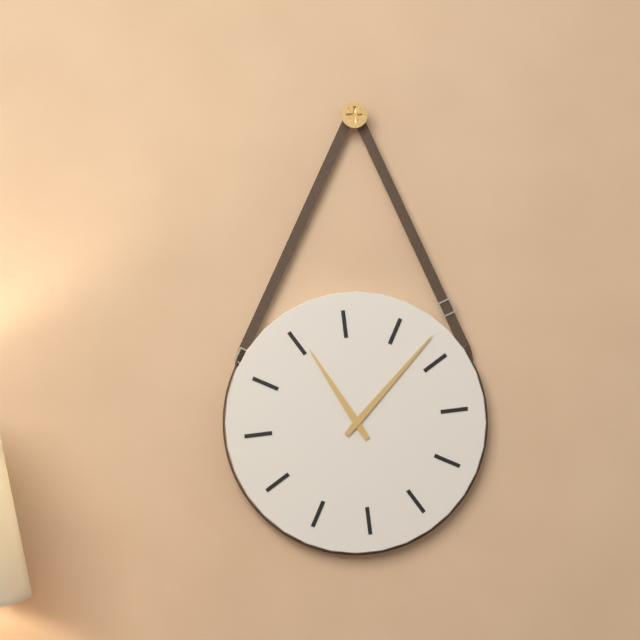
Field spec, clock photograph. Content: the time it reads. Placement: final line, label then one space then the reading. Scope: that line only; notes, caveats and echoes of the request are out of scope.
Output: 11:08
